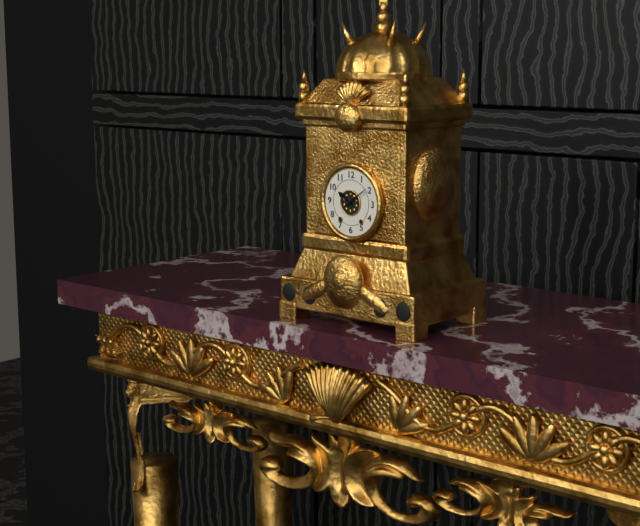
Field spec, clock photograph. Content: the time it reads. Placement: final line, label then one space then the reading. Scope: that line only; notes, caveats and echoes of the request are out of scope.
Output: 10:09
